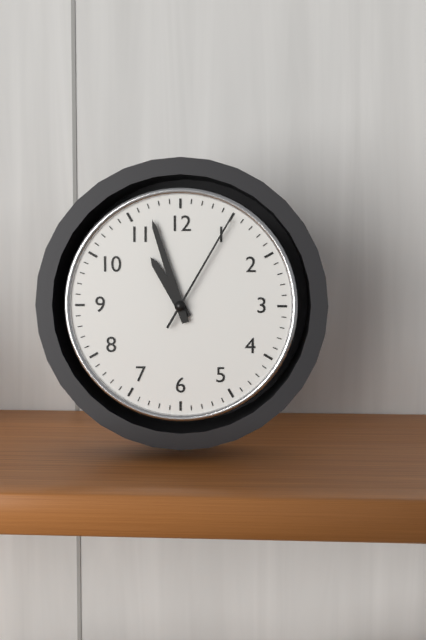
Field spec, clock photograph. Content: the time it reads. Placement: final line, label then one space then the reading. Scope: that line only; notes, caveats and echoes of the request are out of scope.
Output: 10:57:05
